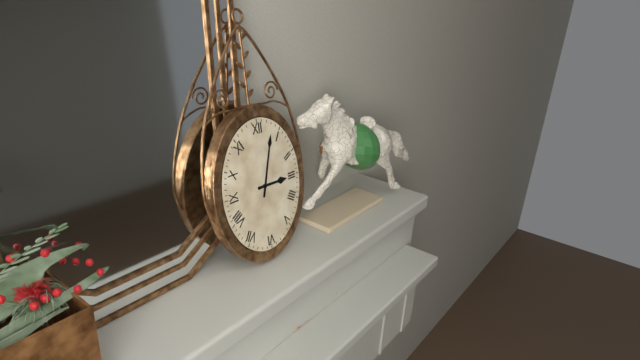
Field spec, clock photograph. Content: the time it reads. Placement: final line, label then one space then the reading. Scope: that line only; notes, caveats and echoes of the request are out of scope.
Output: 3:03
